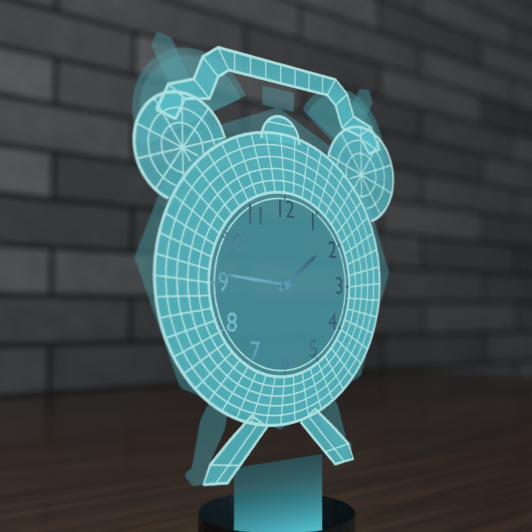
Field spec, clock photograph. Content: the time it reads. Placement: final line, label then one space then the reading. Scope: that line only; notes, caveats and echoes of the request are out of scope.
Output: 1:46
